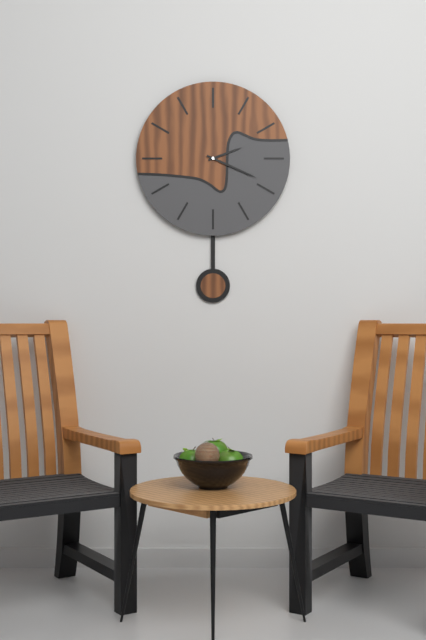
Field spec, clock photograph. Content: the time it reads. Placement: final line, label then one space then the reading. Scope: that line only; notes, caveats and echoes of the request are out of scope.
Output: 2:19
